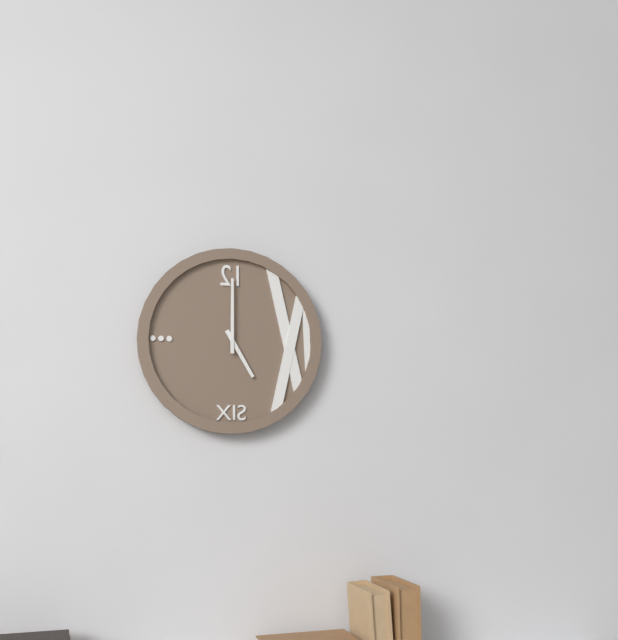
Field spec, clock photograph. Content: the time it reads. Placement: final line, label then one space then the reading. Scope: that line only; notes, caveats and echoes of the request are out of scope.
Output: 5:00
